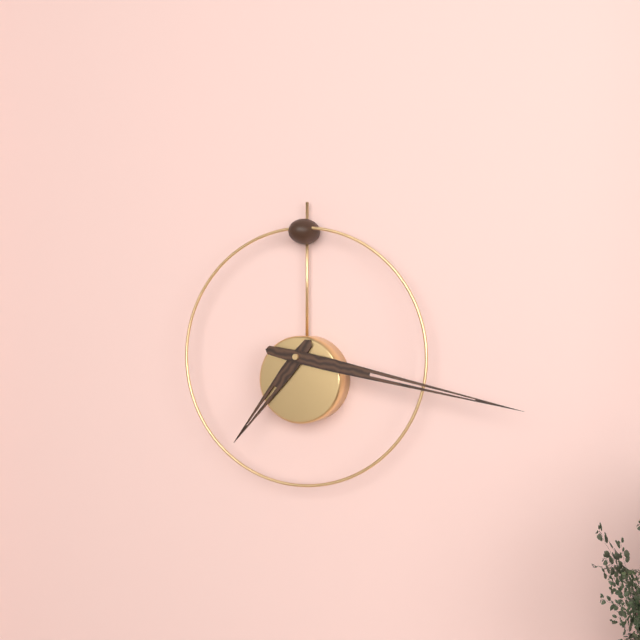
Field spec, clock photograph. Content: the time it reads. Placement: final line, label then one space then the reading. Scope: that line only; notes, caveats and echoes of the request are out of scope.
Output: 7:17
